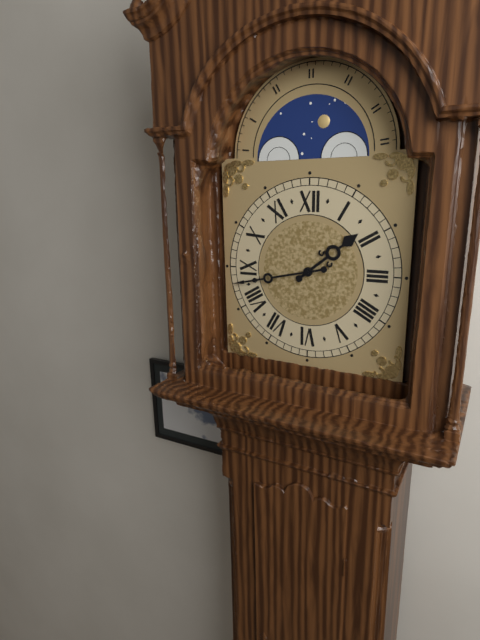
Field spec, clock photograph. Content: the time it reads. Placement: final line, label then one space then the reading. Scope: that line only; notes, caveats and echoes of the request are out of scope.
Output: 1:43
